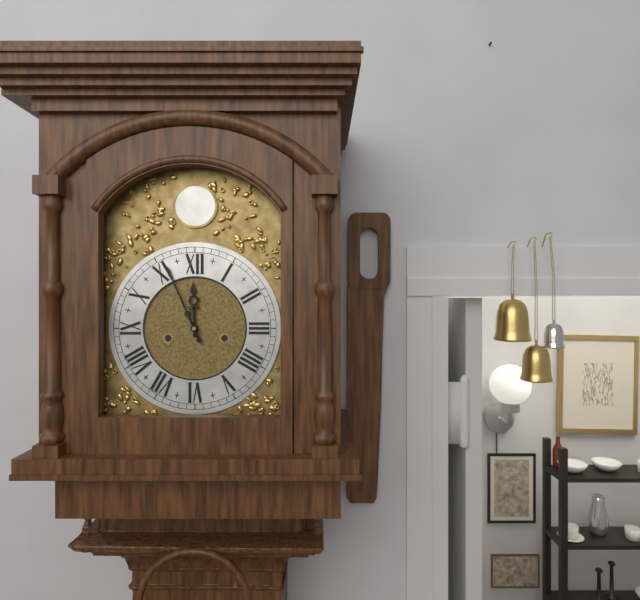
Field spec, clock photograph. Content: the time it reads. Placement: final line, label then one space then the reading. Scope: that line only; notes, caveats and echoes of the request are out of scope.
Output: 11:56
